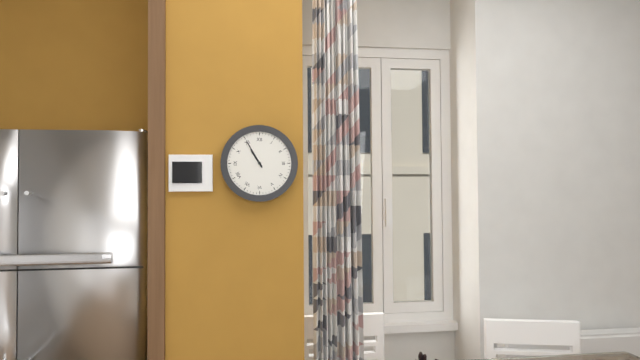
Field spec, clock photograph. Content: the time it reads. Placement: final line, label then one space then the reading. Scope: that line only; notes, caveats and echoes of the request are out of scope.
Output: 10:55
